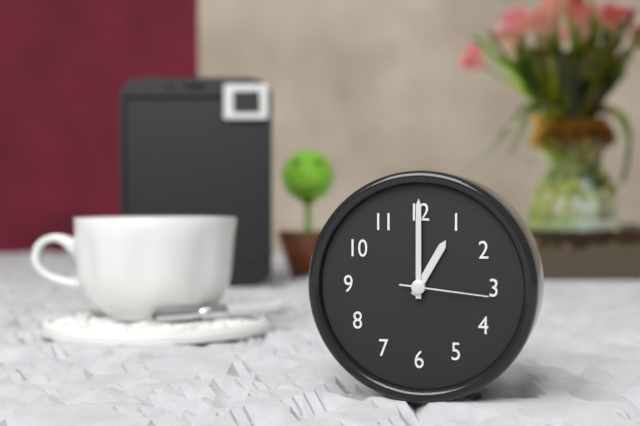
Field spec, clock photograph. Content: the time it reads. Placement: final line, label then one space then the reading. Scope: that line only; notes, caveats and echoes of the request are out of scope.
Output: 1:00:16
